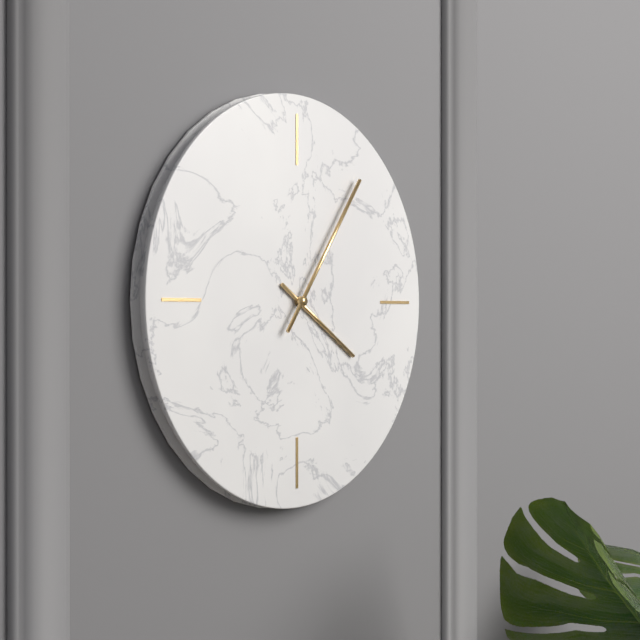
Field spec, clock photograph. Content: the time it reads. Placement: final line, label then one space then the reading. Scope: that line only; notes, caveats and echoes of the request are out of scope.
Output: 4:06
